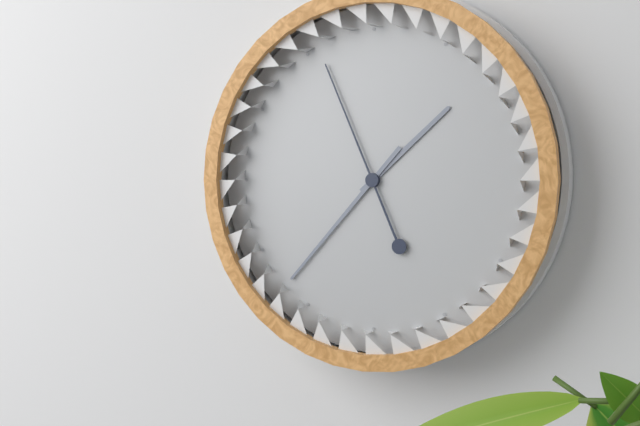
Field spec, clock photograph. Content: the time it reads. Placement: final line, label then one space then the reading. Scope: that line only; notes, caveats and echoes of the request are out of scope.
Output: 1:37:56
